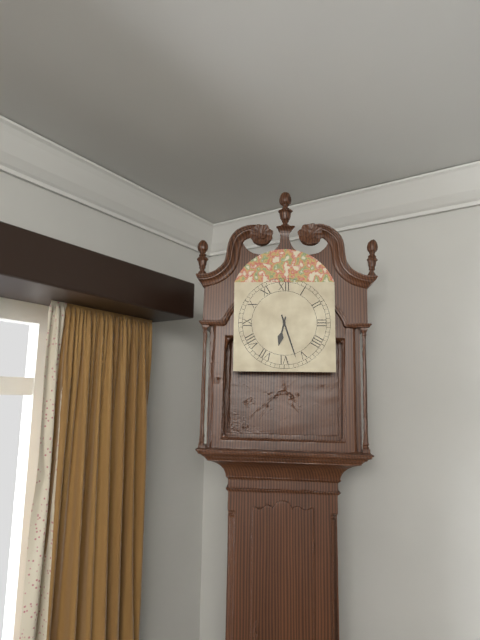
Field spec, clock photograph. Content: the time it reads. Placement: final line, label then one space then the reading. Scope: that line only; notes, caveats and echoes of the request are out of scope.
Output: 6:27
